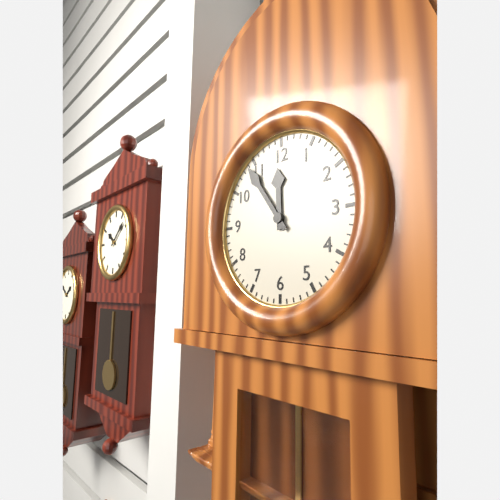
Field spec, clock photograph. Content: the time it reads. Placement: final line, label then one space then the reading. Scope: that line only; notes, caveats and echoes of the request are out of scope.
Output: 11:54
